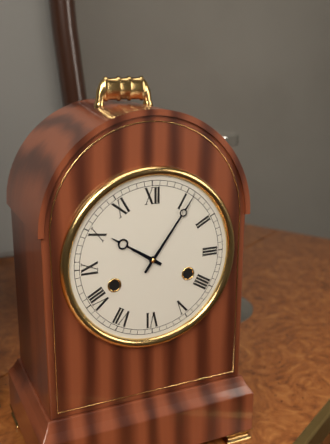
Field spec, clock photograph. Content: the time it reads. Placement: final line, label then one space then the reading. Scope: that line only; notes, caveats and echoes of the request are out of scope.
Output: 10:06
